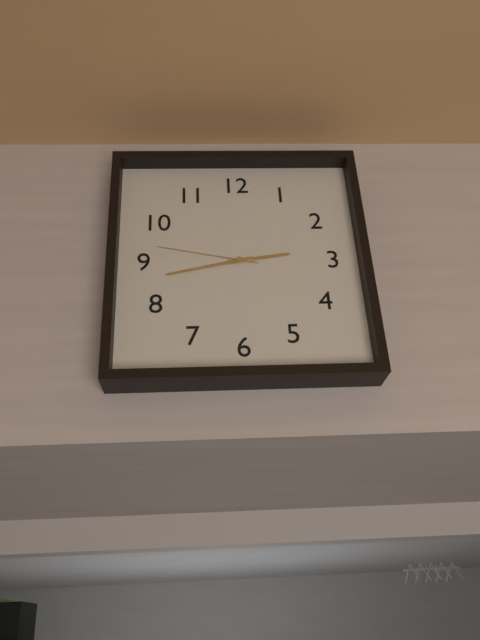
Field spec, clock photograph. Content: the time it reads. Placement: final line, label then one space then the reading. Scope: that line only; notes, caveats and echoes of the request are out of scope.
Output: 2:43:47
